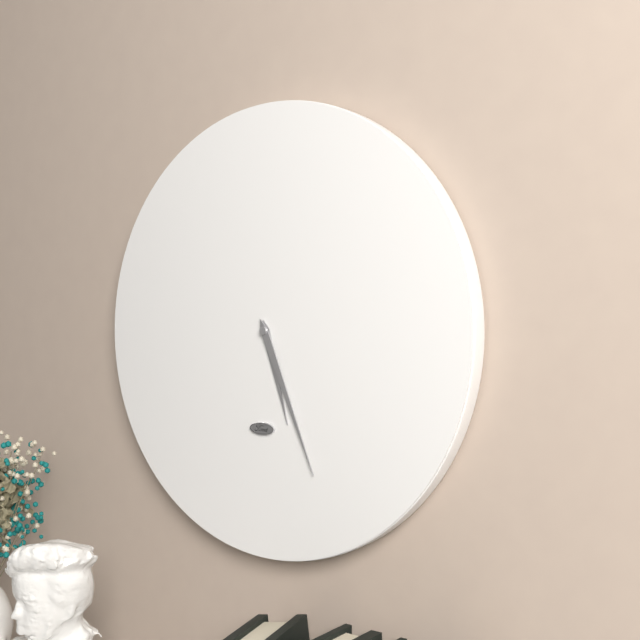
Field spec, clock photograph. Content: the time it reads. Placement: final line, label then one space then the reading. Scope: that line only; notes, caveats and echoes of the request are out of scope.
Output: 5:26
